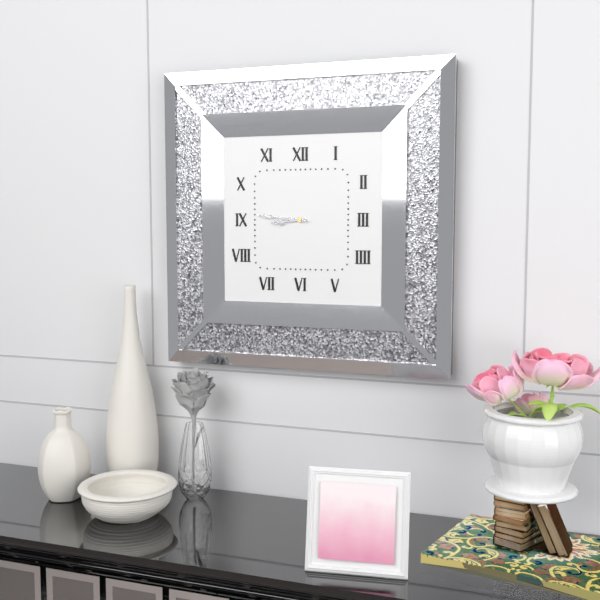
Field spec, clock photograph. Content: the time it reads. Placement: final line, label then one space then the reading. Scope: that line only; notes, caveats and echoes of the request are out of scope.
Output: 8:46
